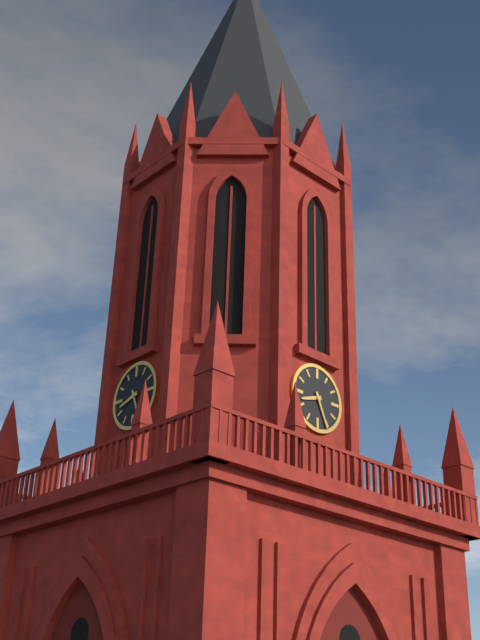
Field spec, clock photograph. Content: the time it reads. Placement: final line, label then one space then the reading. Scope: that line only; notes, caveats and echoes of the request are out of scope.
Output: 8:26
